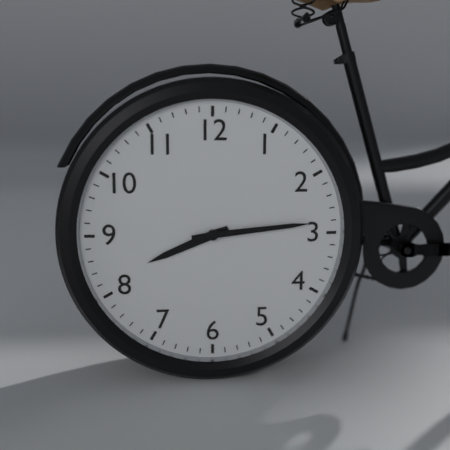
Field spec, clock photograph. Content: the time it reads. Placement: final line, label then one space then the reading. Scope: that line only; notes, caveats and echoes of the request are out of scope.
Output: 8:14
